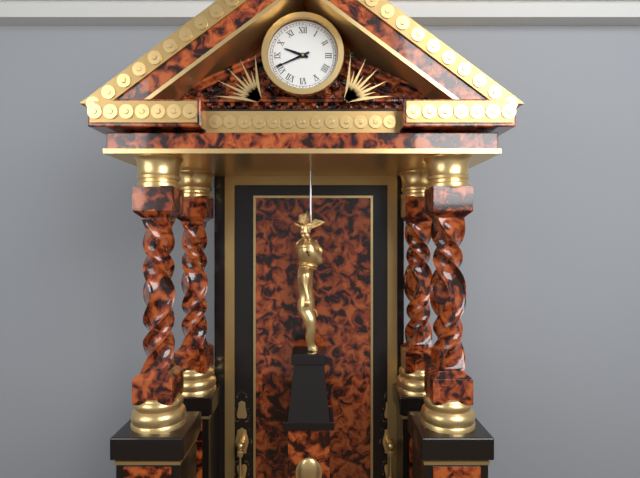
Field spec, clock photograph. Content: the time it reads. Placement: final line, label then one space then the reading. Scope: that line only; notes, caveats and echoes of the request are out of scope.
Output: 9:41
